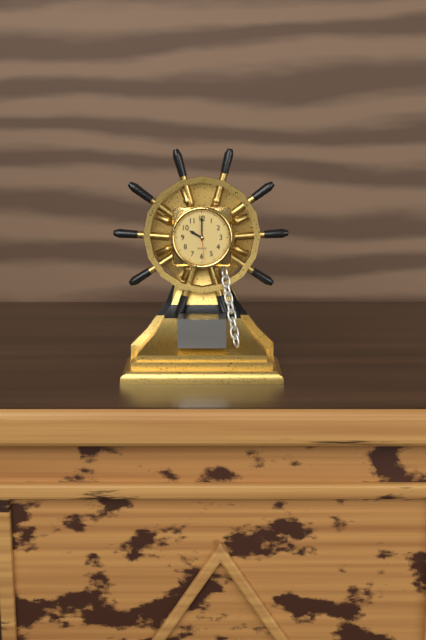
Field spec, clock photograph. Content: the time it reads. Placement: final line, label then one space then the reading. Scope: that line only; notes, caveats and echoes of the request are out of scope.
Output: 10:00
